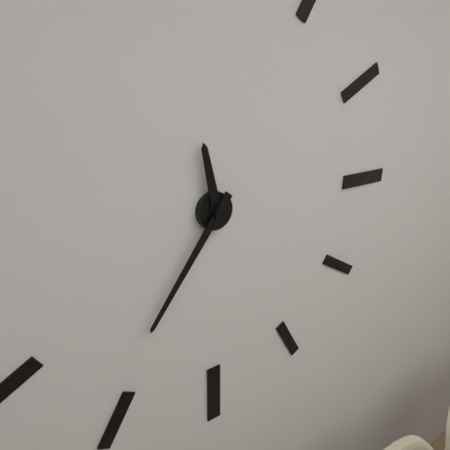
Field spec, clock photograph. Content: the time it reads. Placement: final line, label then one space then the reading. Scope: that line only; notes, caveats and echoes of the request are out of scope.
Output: 11:36
